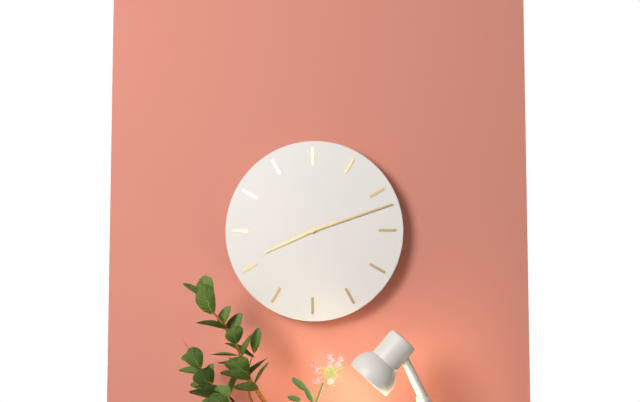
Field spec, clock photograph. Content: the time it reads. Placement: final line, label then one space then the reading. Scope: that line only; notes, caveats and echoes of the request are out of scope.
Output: 8:12
